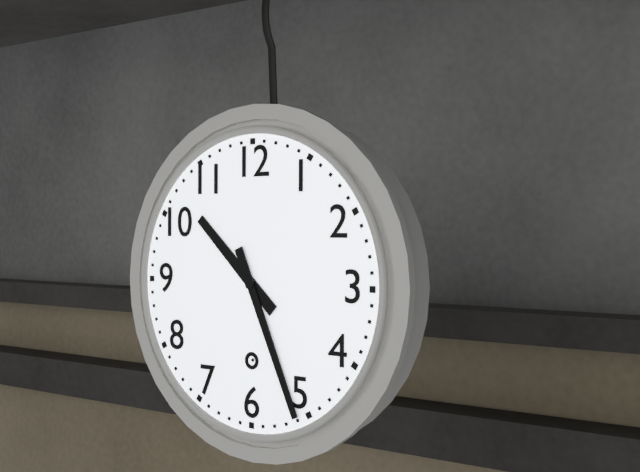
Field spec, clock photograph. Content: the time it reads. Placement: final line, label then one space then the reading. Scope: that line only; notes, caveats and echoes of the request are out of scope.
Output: 10:26
